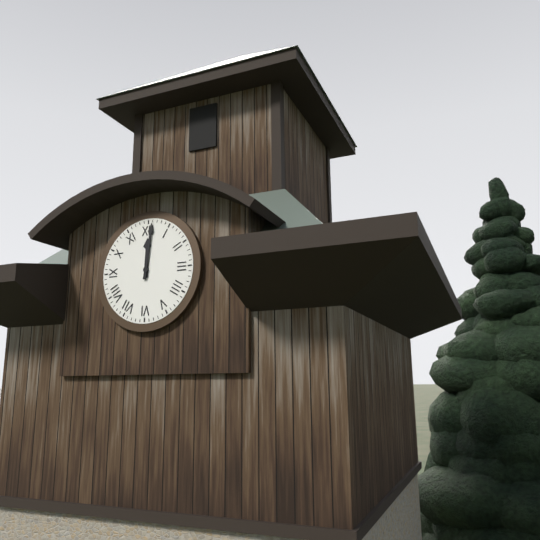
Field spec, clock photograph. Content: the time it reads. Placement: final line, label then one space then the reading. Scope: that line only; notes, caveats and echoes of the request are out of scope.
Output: 12:01
